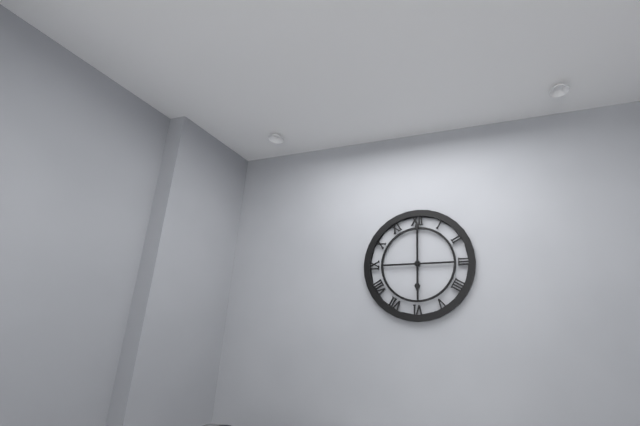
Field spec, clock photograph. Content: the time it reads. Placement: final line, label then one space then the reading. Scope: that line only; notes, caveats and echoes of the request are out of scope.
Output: 6:00
